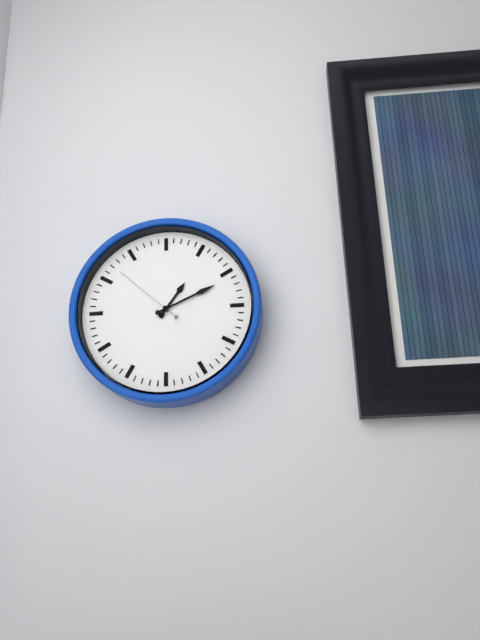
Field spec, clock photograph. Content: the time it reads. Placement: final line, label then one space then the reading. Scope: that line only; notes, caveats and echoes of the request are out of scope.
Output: 1:11:52
